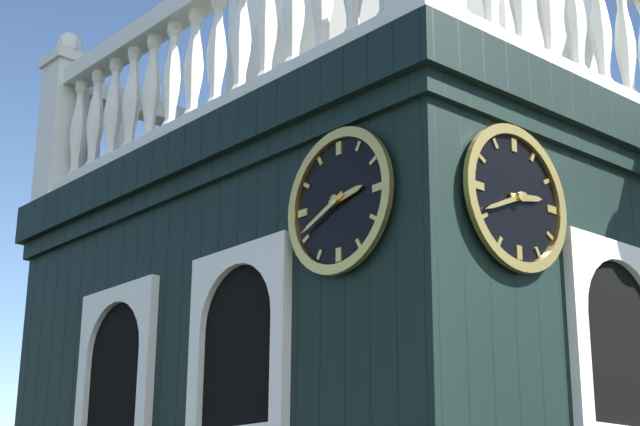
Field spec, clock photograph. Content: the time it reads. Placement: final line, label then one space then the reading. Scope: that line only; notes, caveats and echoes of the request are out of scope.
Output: 2:41
